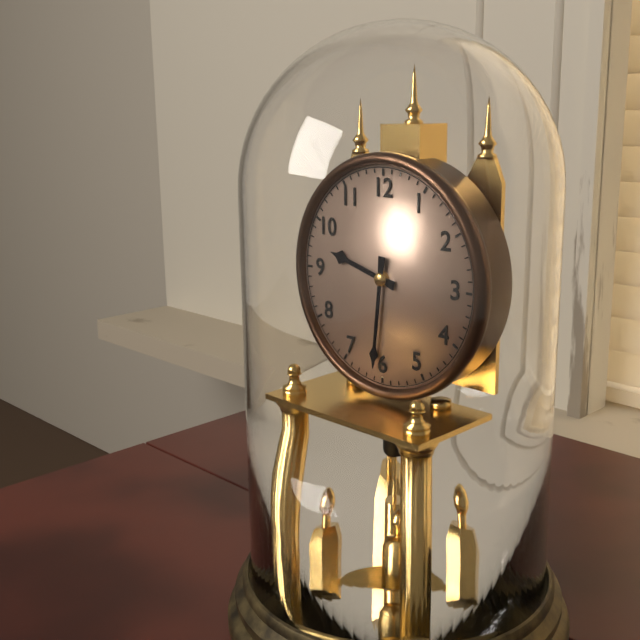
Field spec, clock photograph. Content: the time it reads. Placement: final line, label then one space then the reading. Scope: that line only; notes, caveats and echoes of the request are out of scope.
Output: 9:31
